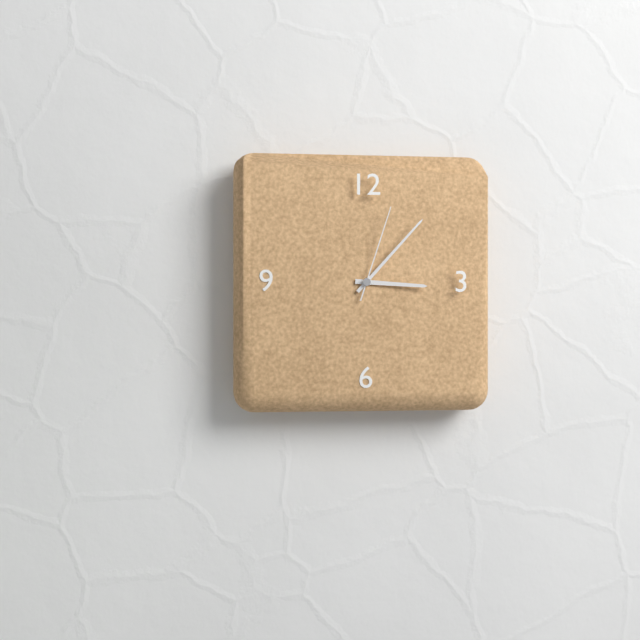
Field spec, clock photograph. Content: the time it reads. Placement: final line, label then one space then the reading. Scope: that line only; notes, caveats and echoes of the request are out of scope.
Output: 3:07:03
